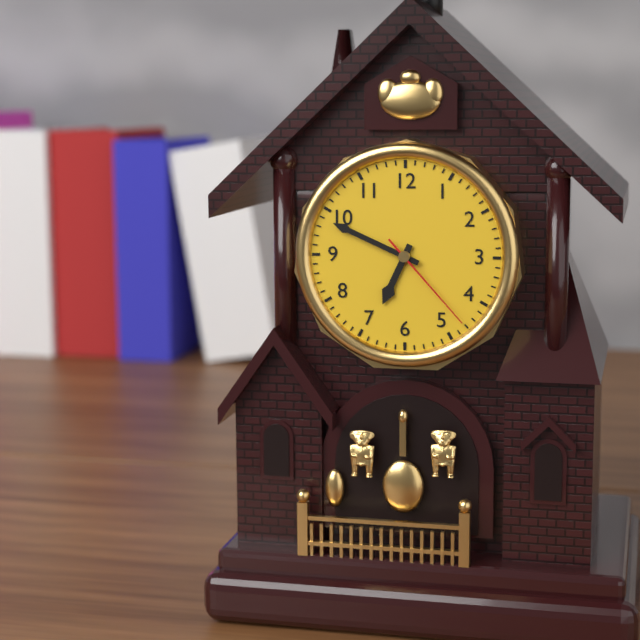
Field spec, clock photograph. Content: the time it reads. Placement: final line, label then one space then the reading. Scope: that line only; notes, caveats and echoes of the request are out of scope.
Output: 6:49:23
